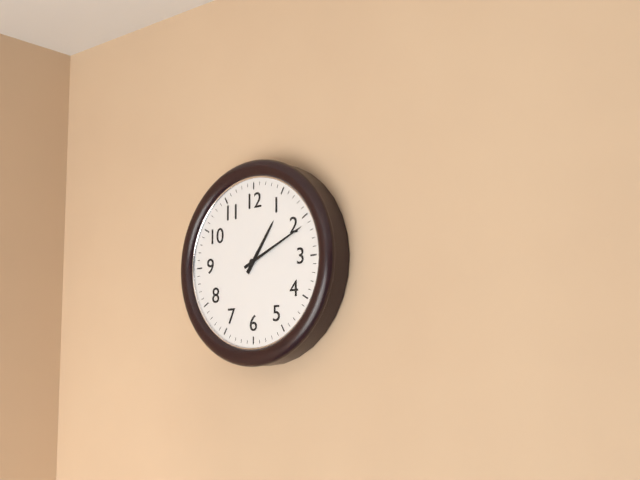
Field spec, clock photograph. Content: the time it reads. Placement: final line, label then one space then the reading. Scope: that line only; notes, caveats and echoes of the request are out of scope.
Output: 1:11
